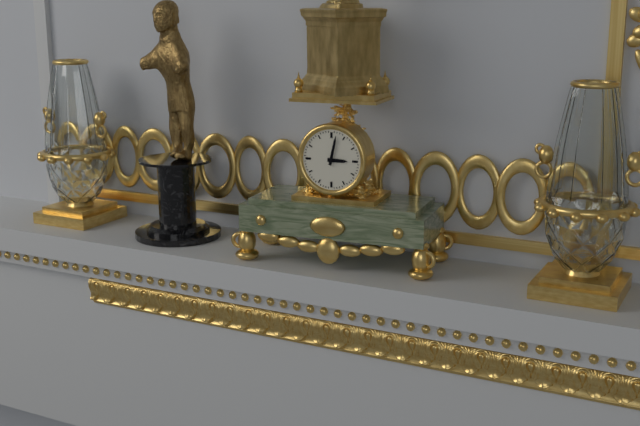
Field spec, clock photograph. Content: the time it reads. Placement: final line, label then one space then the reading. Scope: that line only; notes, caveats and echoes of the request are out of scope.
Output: 3:02
